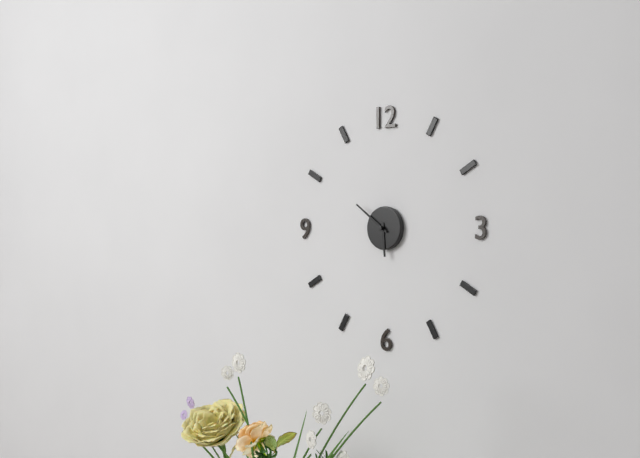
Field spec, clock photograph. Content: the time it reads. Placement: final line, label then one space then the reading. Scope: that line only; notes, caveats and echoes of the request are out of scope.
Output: 5:51
